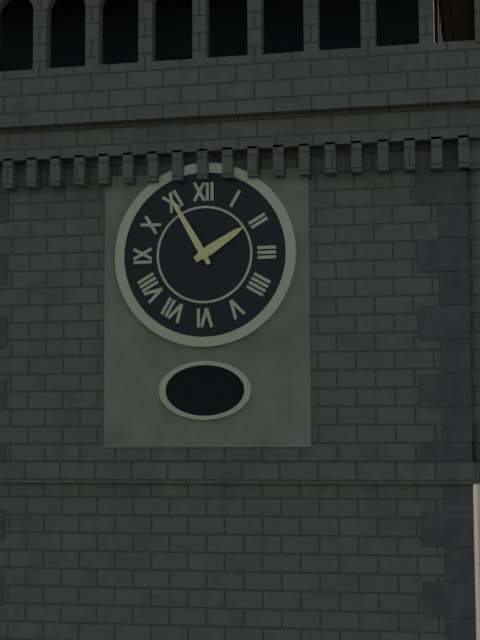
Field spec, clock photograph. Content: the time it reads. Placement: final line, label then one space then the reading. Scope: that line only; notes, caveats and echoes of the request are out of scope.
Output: 1:55
